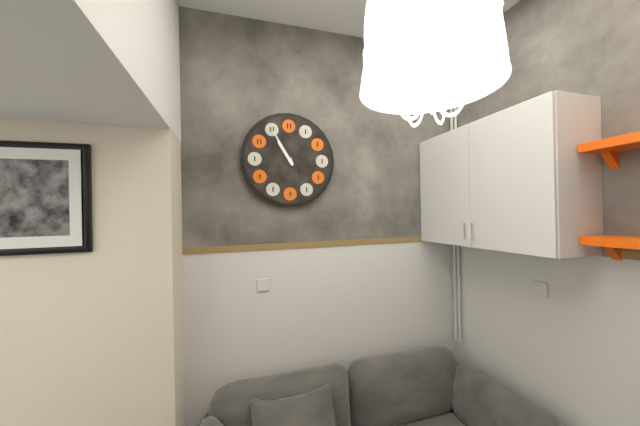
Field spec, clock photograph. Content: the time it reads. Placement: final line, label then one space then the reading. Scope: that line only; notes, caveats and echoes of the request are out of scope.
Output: 10:55
